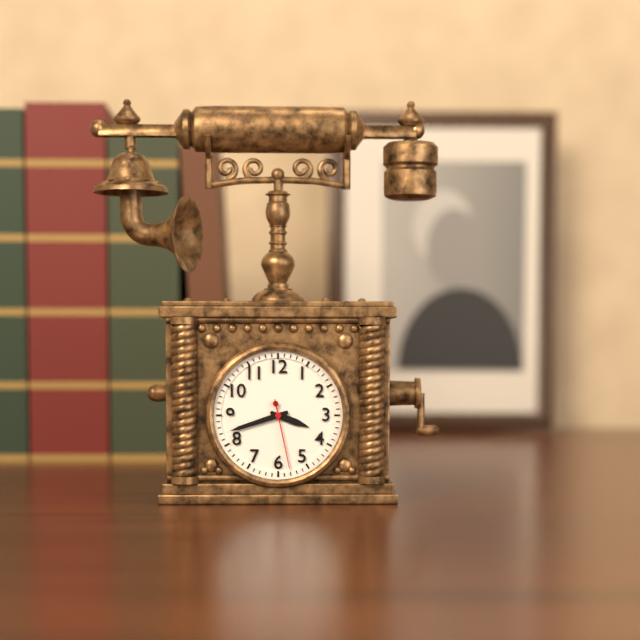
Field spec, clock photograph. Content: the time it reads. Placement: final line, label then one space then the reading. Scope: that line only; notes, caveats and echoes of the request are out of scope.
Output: 3:42:28
